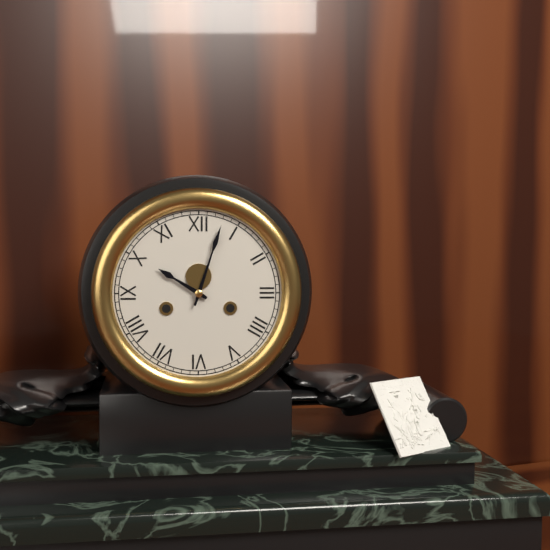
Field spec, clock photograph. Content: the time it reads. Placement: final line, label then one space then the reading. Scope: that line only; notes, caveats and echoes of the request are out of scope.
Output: 10:03
